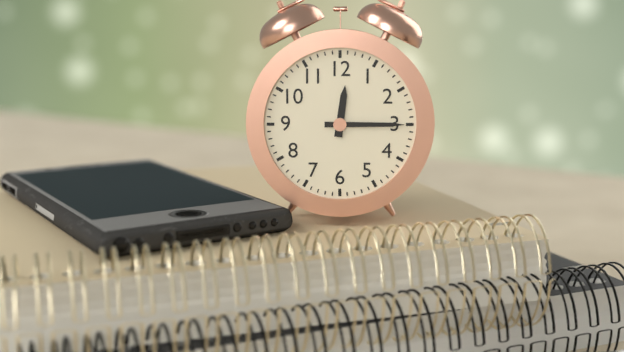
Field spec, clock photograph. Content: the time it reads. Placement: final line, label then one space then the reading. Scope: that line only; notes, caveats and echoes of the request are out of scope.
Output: 12:15
